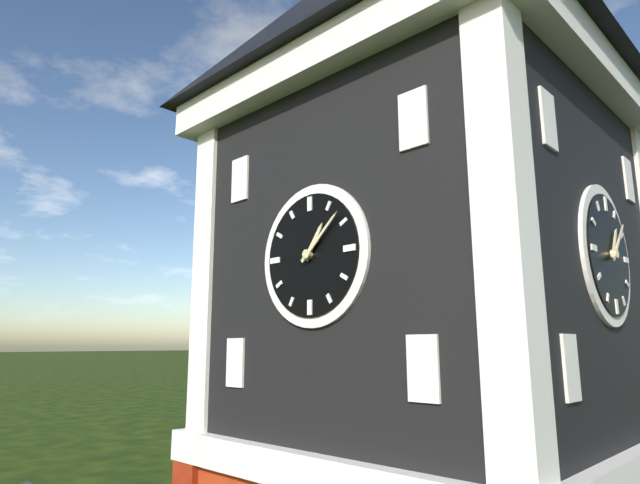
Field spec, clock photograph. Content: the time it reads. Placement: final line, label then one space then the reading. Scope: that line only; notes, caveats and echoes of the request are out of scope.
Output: 1:08
